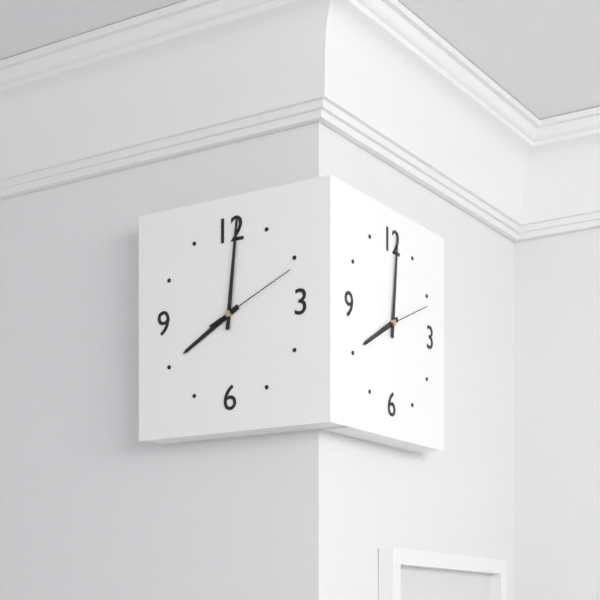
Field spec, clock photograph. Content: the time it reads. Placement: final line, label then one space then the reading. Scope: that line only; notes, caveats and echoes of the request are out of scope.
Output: 8:01:11
